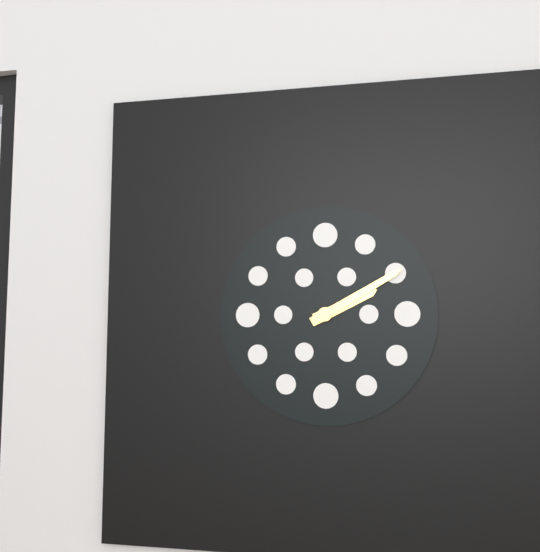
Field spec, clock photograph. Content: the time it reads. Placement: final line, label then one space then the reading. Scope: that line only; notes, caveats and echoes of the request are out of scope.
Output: 2:10
